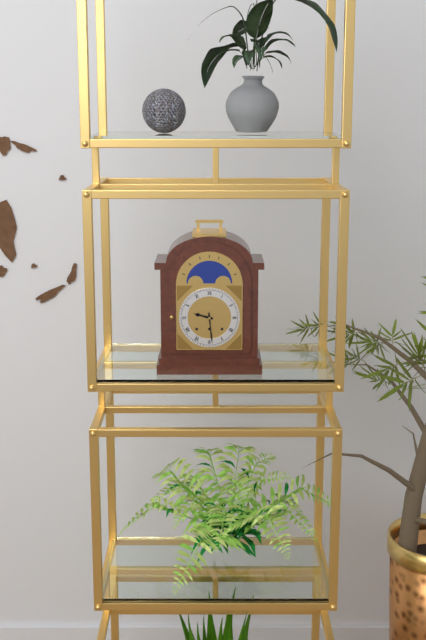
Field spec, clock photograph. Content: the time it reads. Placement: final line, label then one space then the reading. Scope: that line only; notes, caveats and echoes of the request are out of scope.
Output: 9:29
